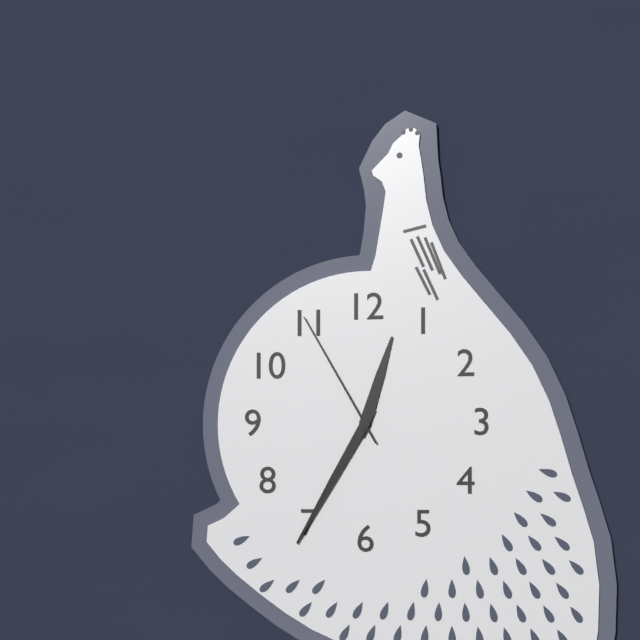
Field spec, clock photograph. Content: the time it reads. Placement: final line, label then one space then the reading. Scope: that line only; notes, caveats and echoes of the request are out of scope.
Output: 12:35:55
